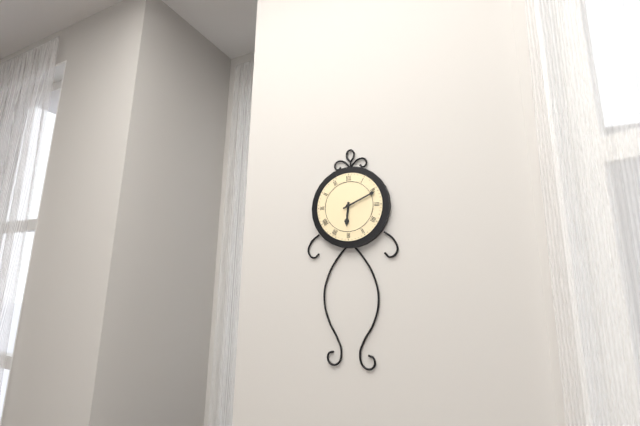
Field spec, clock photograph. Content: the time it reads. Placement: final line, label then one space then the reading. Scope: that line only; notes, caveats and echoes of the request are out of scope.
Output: 6:11
